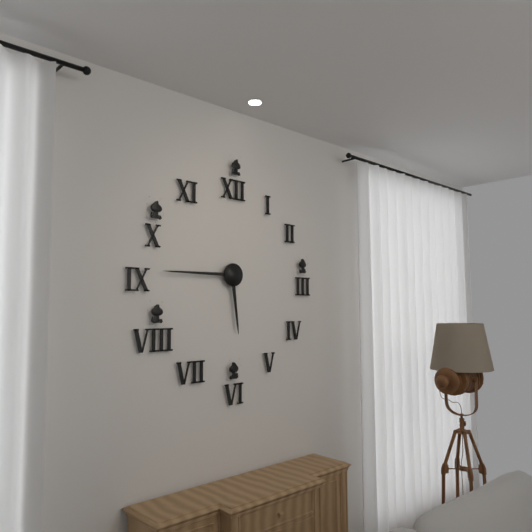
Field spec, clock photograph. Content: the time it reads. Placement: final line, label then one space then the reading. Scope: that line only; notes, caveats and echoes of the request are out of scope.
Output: 5:45
